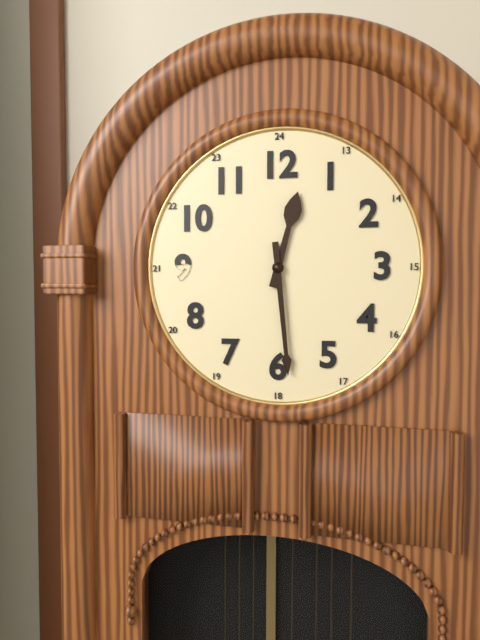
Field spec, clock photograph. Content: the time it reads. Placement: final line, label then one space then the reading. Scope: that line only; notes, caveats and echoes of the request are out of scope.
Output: 12:29
